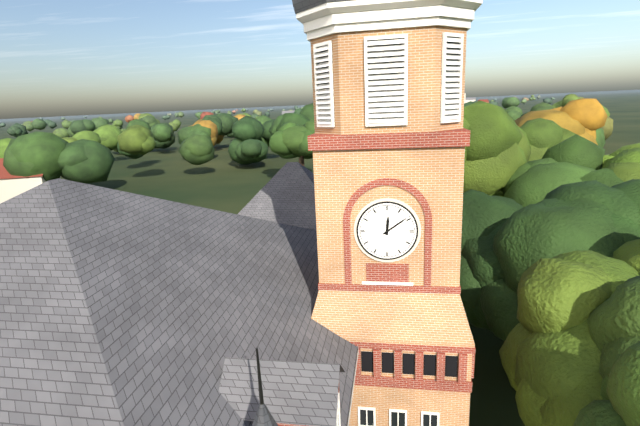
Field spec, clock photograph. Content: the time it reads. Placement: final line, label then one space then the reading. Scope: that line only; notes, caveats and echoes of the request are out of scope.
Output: 12:09
